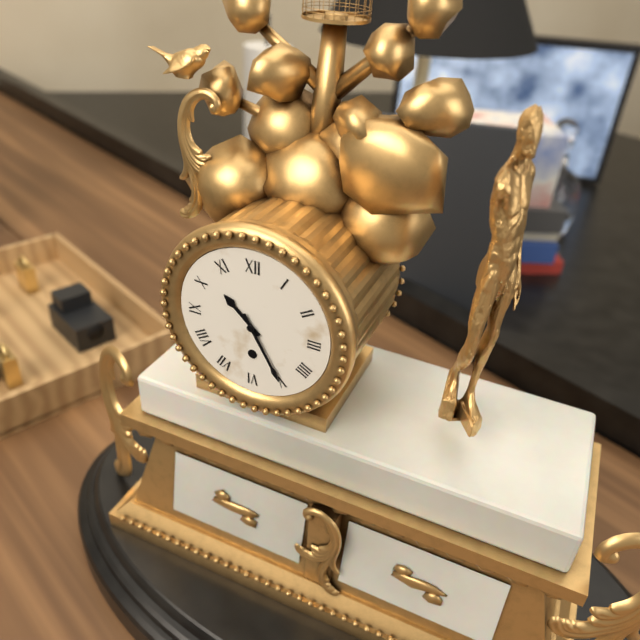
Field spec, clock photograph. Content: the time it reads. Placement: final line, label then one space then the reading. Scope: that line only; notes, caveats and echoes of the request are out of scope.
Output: 10:25
